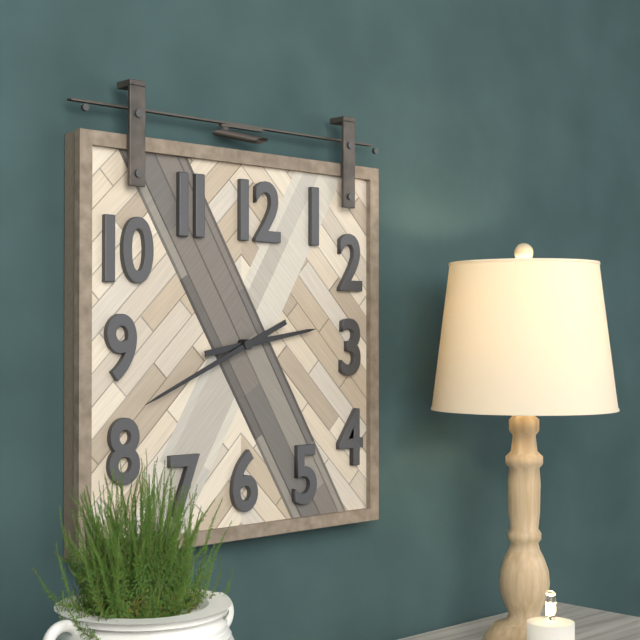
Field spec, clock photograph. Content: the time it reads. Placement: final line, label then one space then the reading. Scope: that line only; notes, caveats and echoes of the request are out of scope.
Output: 2:41
